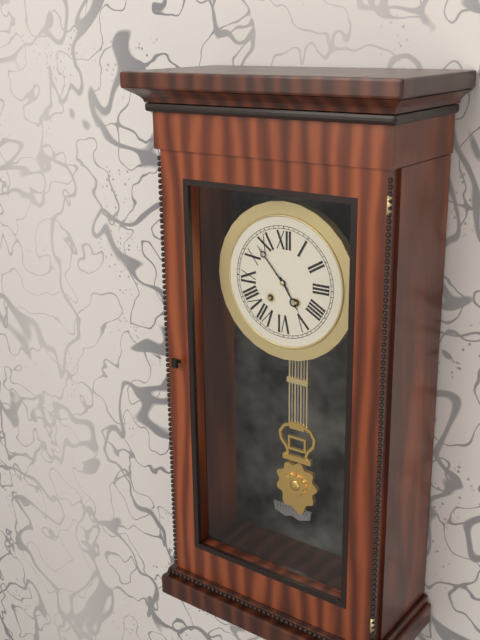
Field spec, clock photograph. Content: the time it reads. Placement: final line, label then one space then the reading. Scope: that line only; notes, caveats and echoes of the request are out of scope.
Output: 4:53
